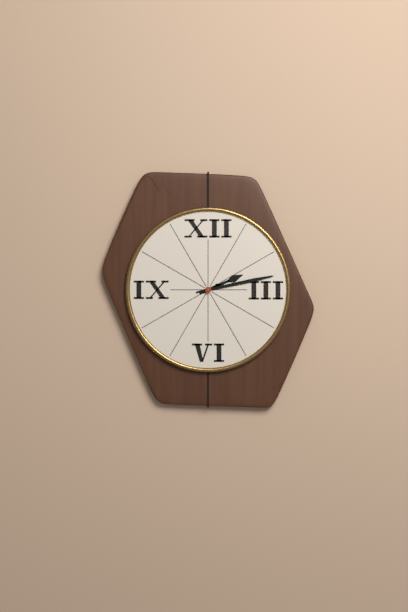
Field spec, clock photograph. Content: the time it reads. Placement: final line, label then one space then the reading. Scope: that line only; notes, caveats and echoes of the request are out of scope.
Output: 2:13
